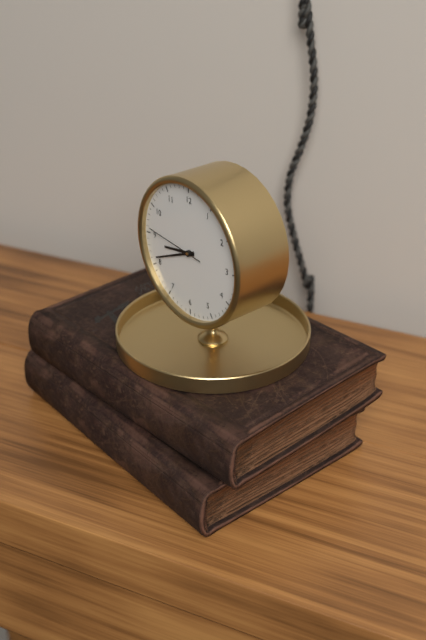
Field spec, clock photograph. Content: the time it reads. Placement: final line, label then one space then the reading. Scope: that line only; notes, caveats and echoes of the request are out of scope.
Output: 8:41:46
